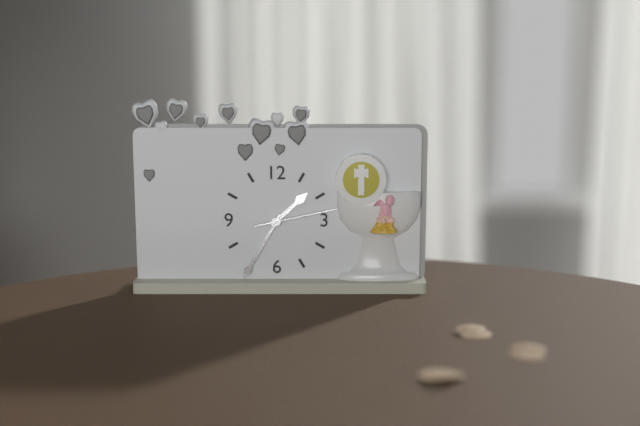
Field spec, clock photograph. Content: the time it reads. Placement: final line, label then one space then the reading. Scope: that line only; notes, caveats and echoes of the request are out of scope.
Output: 1:35:13
